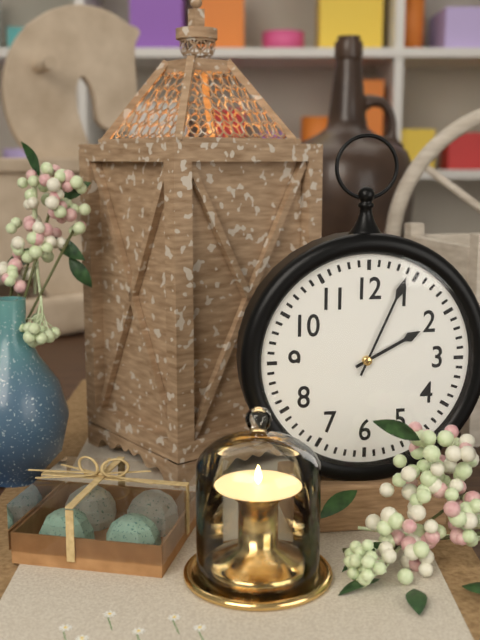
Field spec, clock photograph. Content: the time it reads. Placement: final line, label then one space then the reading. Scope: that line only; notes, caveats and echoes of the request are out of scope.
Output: 2:04
